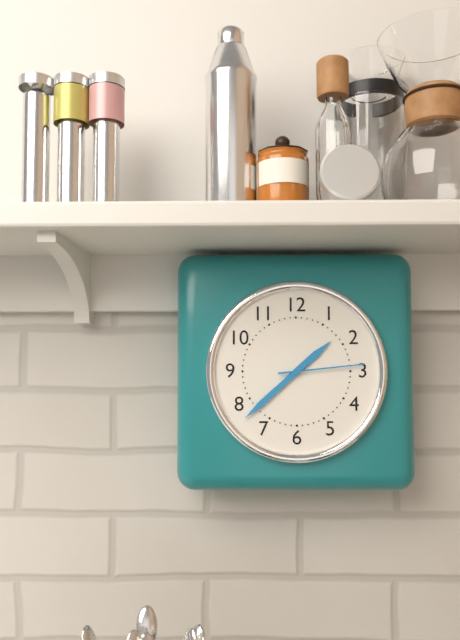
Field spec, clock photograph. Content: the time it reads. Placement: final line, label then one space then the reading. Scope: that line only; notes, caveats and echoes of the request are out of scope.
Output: 1:38:14
